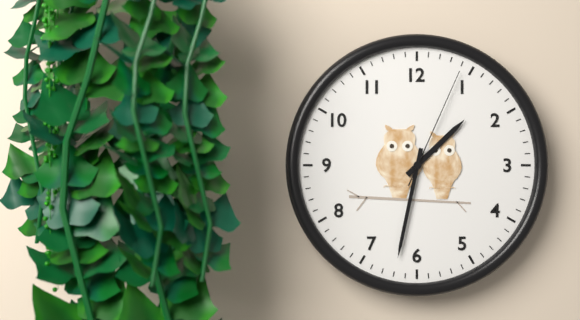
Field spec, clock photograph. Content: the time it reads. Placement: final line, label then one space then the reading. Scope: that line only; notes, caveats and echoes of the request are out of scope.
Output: 1:32:04
